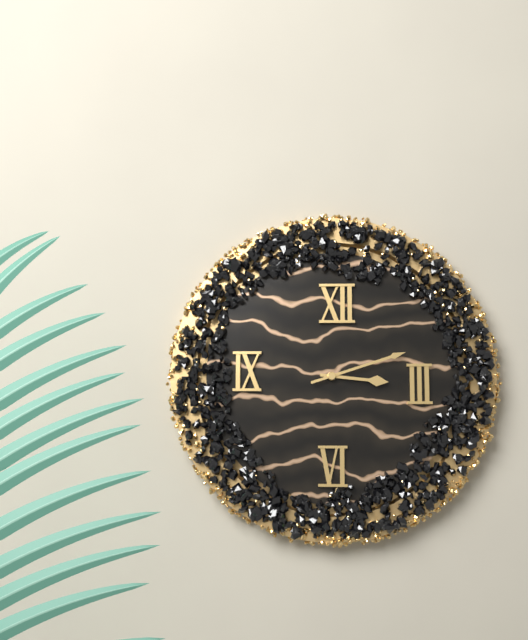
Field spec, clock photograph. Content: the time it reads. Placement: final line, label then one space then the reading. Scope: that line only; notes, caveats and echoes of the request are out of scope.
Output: 3:12
